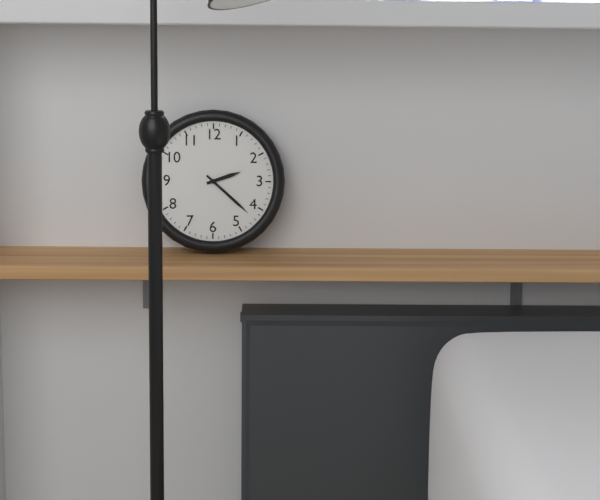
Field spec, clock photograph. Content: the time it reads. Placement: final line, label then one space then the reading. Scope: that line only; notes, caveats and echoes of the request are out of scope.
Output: 2:22
